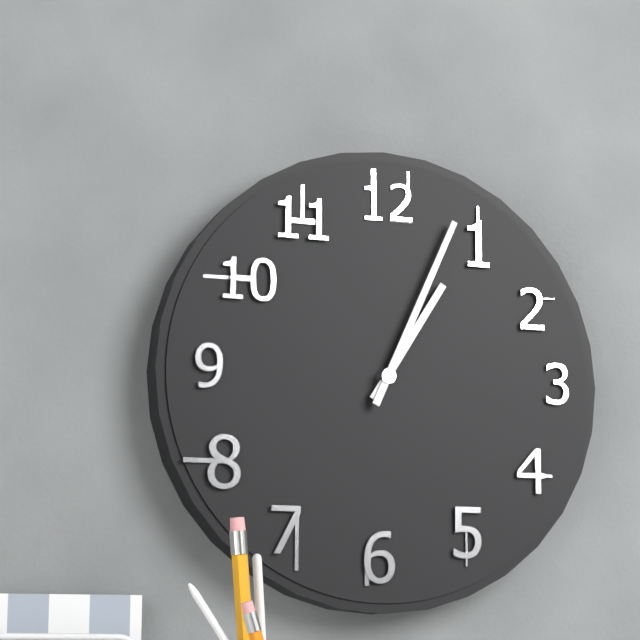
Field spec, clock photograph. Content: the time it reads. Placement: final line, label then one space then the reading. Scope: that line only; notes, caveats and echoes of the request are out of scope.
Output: 1:04
